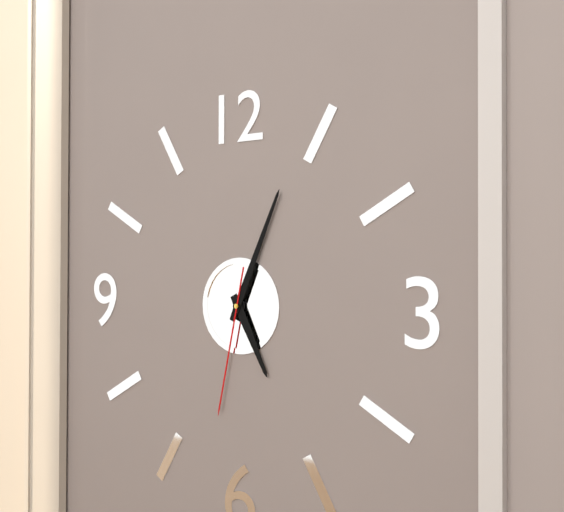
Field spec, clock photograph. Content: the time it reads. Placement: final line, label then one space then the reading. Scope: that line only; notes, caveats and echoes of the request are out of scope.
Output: 5:04:32
